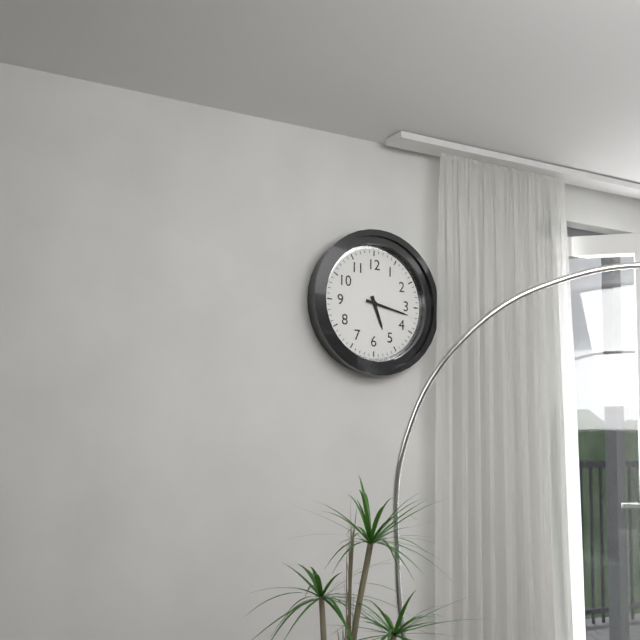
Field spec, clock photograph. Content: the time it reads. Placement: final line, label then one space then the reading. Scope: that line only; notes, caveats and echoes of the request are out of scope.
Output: 5:17
